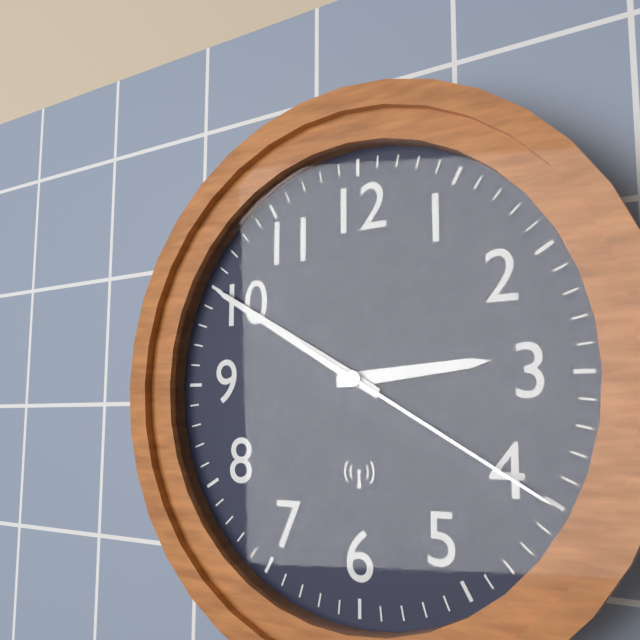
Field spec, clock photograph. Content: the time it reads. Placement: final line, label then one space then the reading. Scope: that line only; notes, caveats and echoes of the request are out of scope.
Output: 2:50:20
